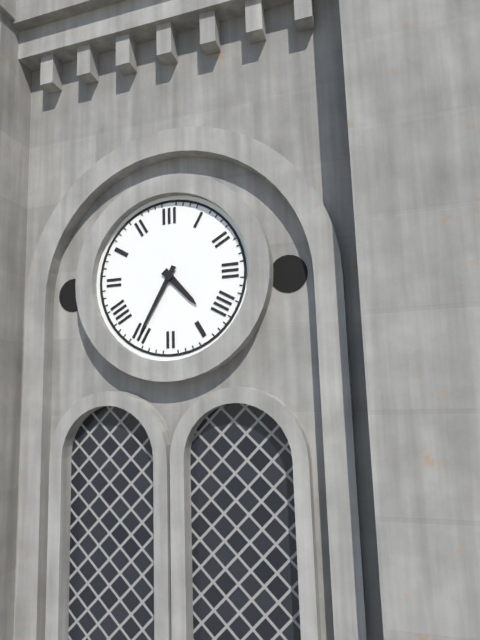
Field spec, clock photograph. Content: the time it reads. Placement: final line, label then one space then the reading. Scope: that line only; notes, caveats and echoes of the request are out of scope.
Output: 4:35
